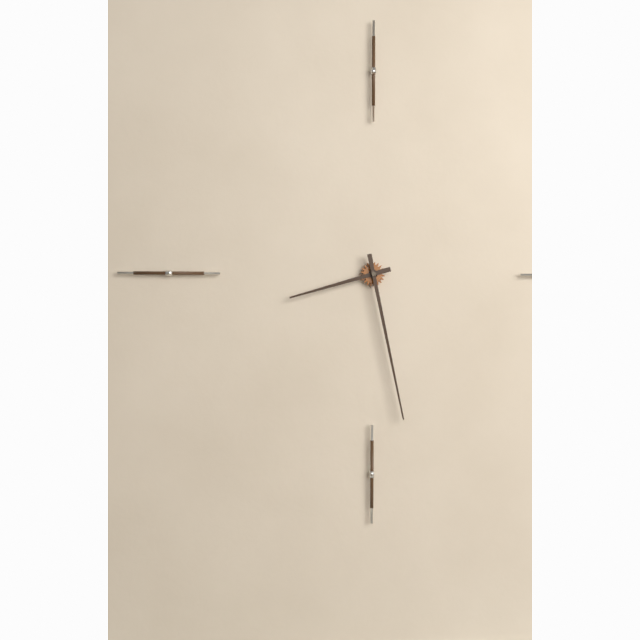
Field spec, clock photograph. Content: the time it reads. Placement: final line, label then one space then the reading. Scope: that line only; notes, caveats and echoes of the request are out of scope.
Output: 8:28
